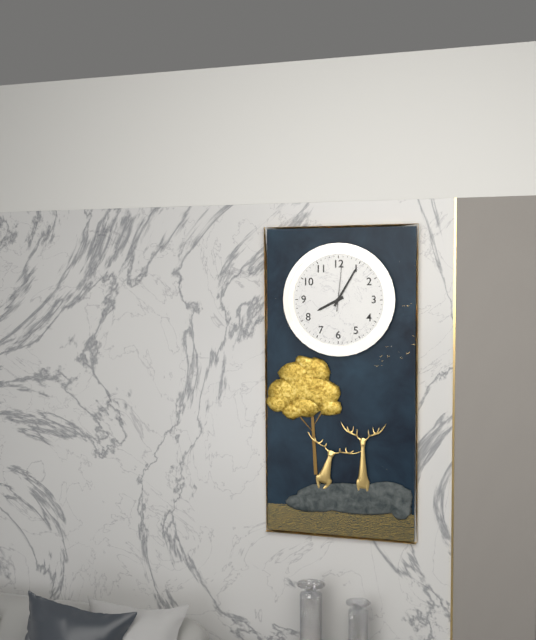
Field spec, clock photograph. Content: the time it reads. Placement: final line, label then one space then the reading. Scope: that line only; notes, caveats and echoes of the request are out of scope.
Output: 8:05:01
